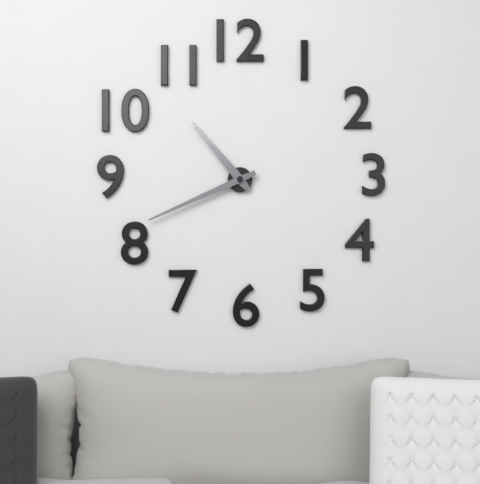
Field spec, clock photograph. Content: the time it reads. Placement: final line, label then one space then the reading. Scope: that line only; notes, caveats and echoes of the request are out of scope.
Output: 10:41
